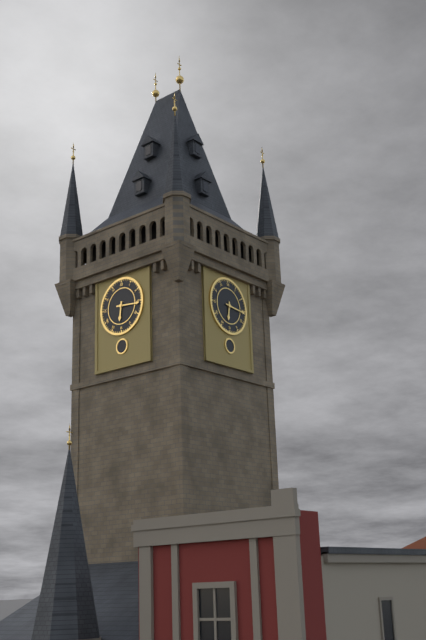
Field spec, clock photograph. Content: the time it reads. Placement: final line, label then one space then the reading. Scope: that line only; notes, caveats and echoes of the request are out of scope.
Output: 6:16
